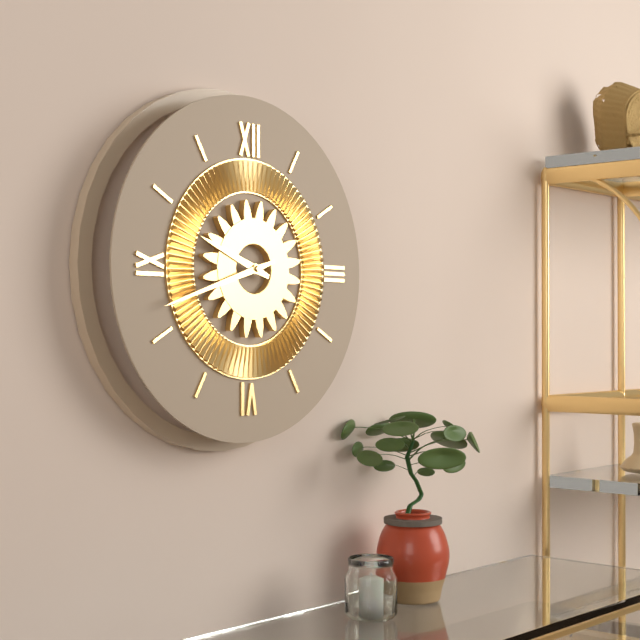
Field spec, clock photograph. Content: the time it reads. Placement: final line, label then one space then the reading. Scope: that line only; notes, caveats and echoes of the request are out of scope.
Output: 9:42
